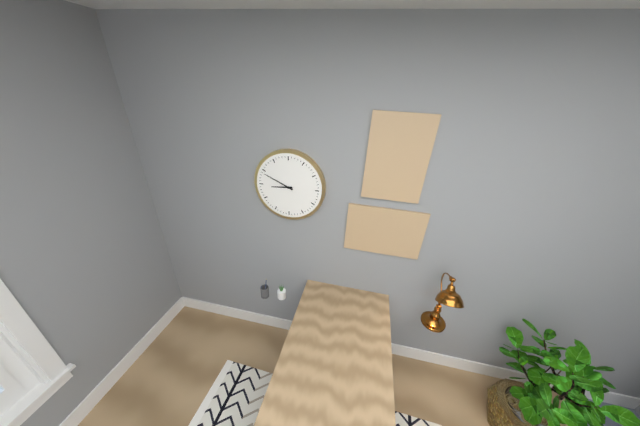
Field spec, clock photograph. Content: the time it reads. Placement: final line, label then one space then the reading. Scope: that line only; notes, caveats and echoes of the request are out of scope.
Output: 8:49
